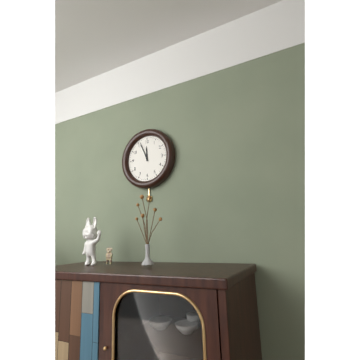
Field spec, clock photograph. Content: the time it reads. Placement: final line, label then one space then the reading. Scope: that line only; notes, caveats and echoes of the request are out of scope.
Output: 11:56
